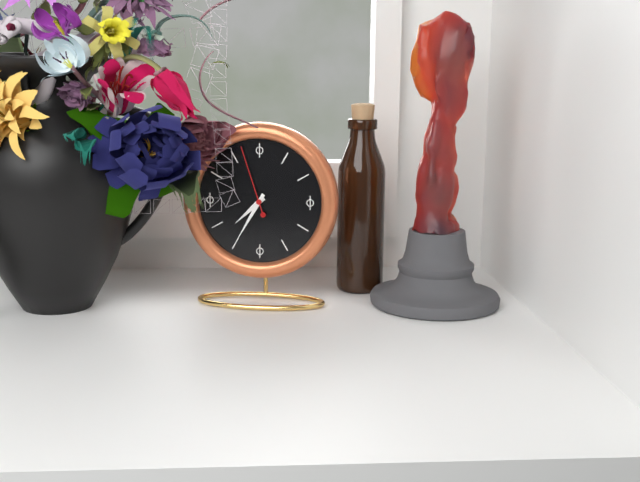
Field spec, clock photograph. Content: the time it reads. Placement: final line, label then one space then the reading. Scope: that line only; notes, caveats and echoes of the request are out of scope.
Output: 7:35:57
